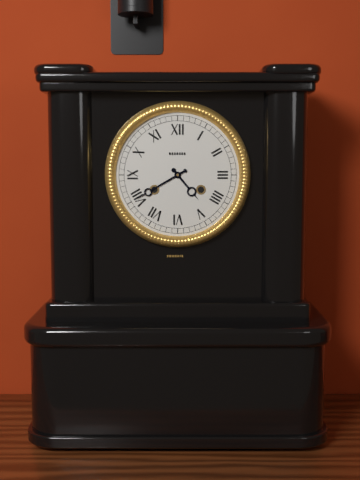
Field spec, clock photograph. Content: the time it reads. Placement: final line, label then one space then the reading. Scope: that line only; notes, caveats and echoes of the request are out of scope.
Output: 4:40
